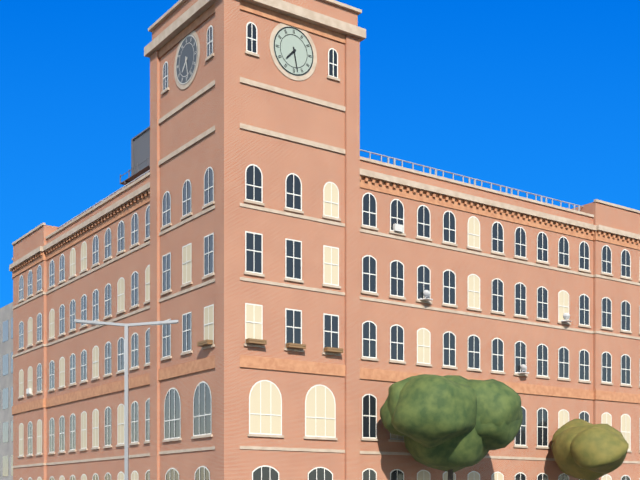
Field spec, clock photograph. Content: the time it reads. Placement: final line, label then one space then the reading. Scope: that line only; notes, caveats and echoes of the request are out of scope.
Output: 7:28
